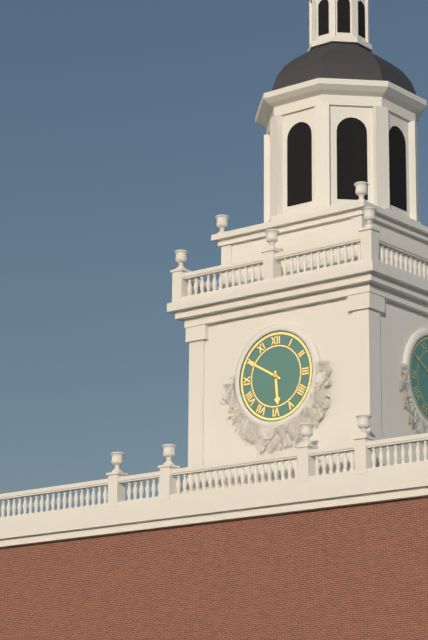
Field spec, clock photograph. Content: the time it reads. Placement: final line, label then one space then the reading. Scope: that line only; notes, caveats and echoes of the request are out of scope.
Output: 5:50
